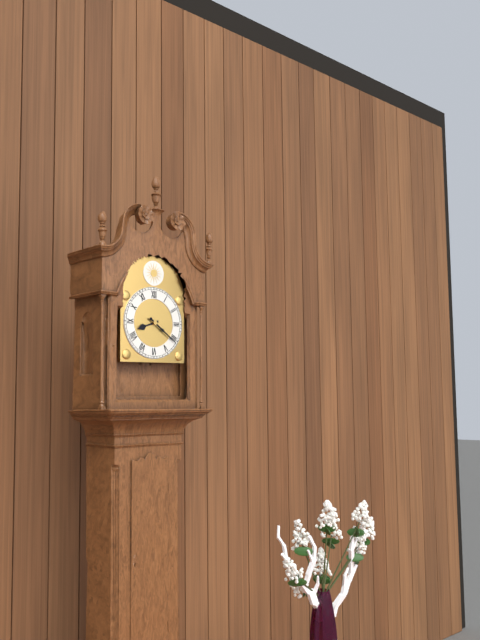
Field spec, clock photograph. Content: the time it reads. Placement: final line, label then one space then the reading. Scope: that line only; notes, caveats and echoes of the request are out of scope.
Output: 8:21
